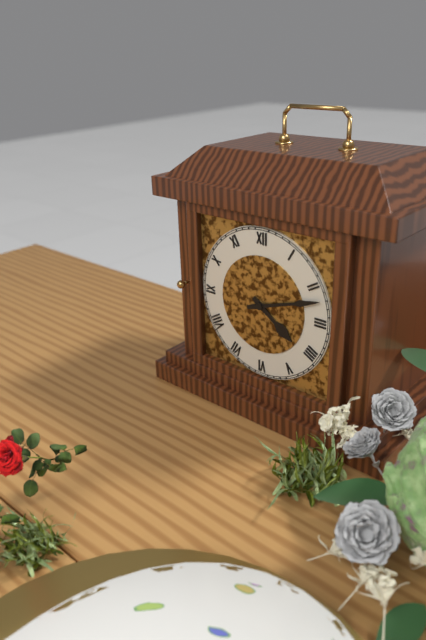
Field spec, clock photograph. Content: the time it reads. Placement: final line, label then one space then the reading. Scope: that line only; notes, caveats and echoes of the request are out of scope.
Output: 4:12
